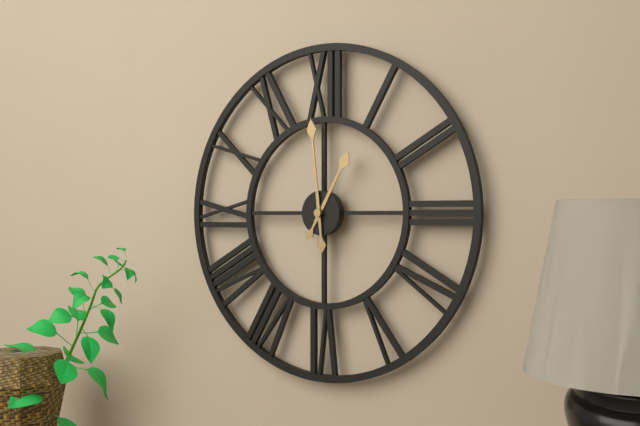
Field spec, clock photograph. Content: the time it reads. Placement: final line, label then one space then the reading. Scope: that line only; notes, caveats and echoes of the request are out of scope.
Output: 12:59
